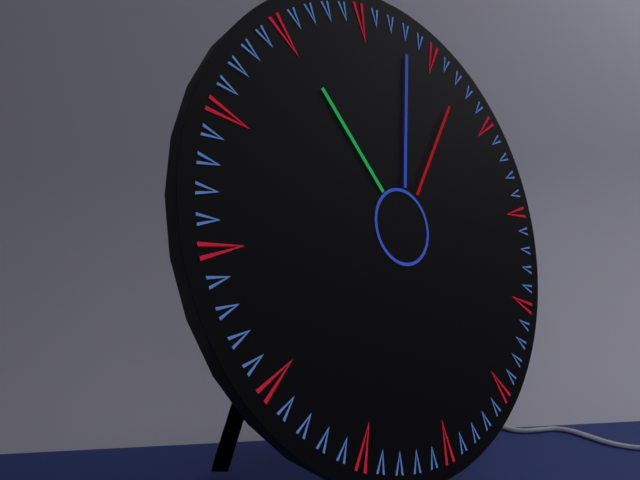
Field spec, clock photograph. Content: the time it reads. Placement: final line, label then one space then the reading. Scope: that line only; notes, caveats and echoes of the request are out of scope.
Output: 11:03:07
